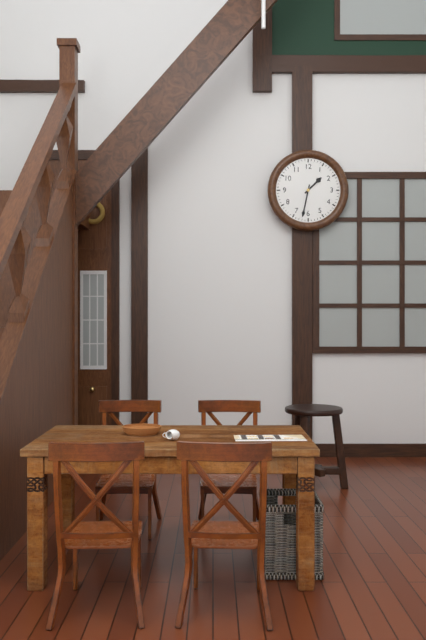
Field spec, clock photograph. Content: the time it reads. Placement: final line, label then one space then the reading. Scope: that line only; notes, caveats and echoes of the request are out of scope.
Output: 1:32
